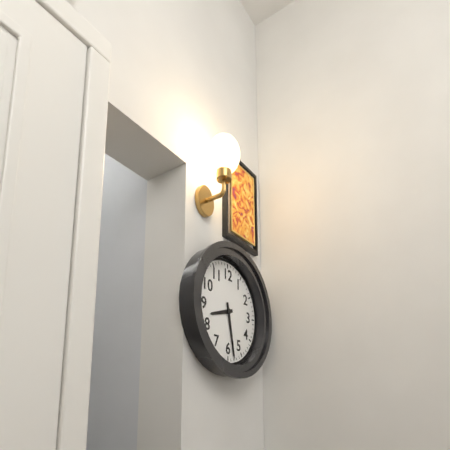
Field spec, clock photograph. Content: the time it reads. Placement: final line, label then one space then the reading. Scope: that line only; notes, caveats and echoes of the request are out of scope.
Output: 8:28
